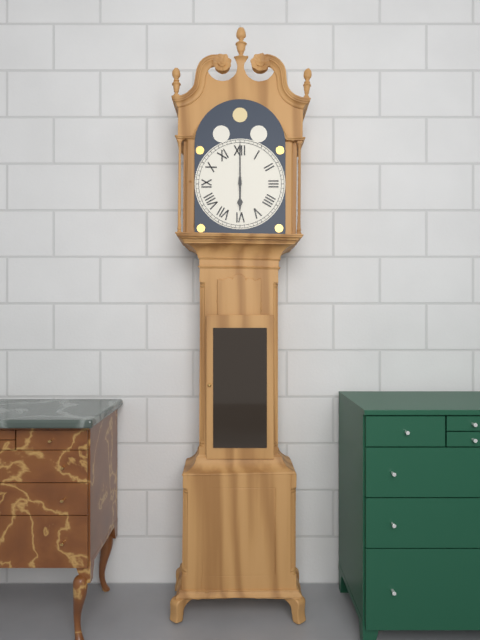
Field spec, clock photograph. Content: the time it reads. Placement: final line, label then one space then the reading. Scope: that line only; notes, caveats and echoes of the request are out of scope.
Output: 6:00
